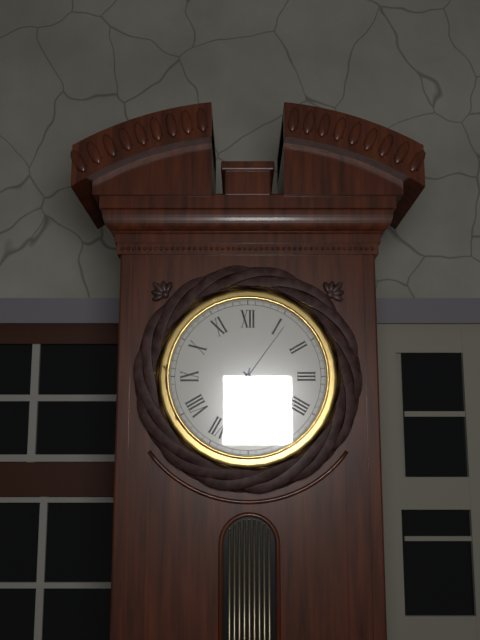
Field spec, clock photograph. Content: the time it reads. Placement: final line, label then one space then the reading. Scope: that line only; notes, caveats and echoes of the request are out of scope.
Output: 4:32:06
